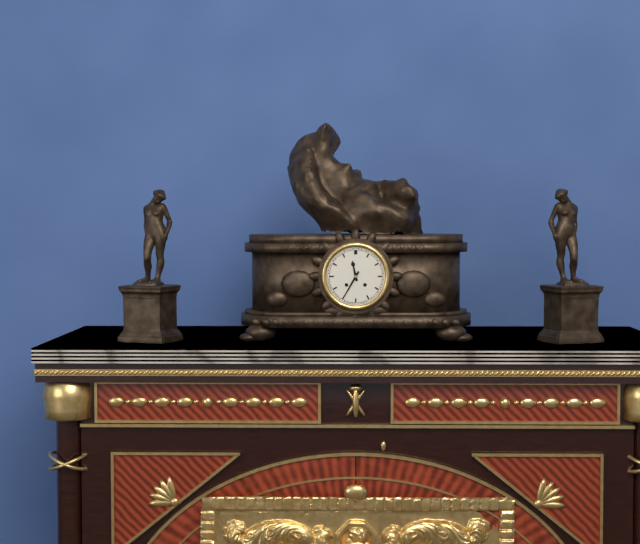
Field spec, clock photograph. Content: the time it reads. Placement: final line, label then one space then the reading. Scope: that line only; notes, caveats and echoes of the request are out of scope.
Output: 11:35
